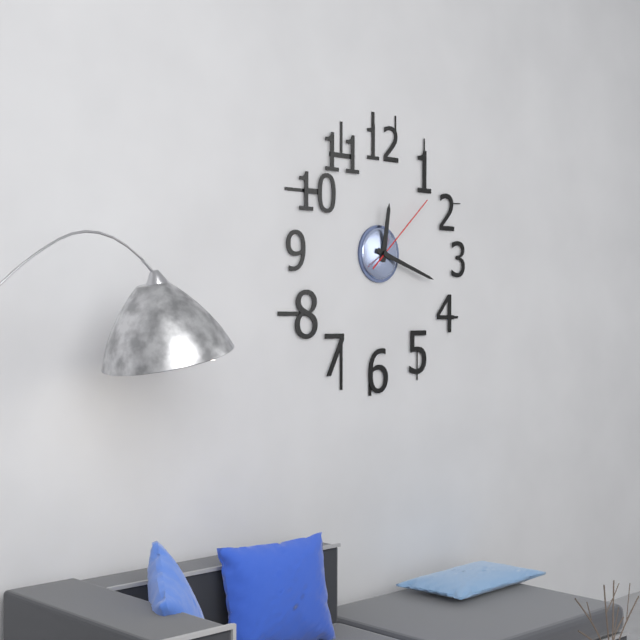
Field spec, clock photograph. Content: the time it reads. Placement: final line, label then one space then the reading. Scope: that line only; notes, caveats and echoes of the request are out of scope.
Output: 12:18:08
